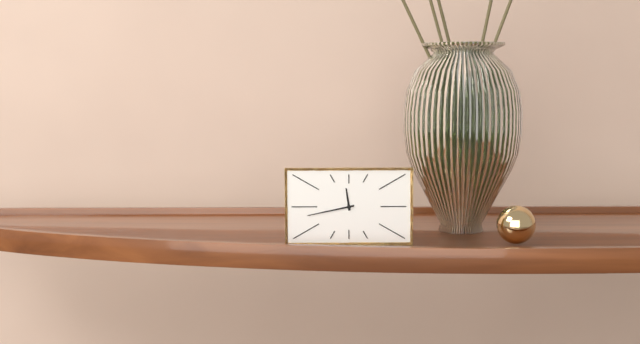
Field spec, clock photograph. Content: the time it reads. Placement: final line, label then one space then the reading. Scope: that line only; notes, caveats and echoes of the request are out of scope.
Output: 11:43
